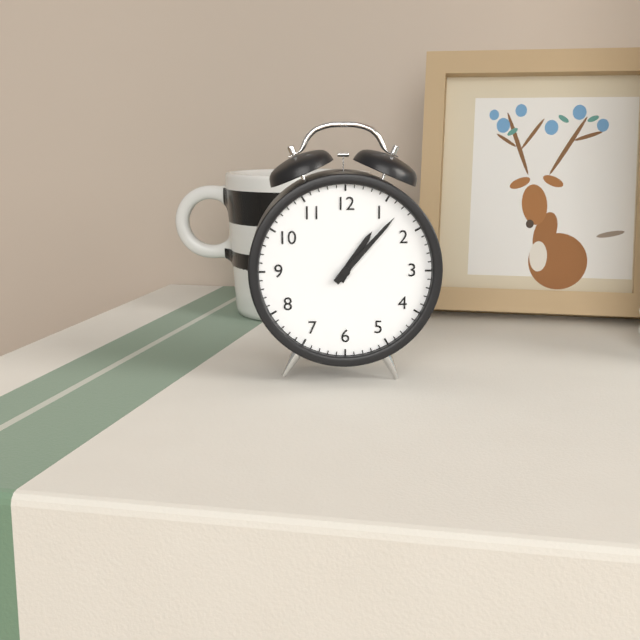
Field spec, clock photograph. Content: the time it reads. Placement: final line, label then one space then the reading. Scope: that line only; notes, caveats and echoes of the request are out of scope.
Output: 1:07
